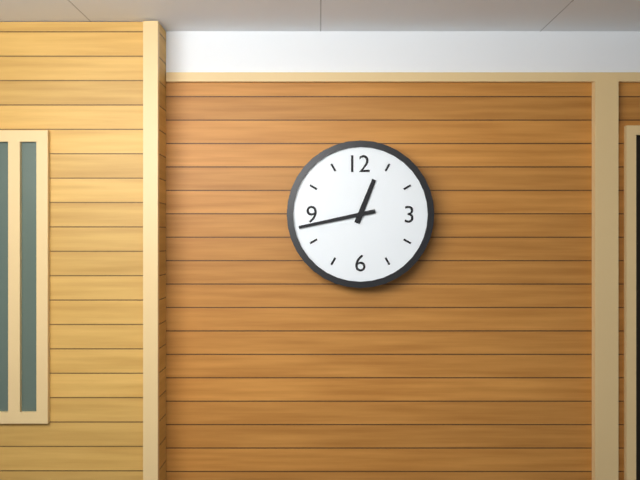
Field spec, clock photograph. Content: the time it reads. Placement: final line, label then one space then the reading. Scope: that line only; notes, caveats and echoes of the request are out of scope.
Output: 12:43
